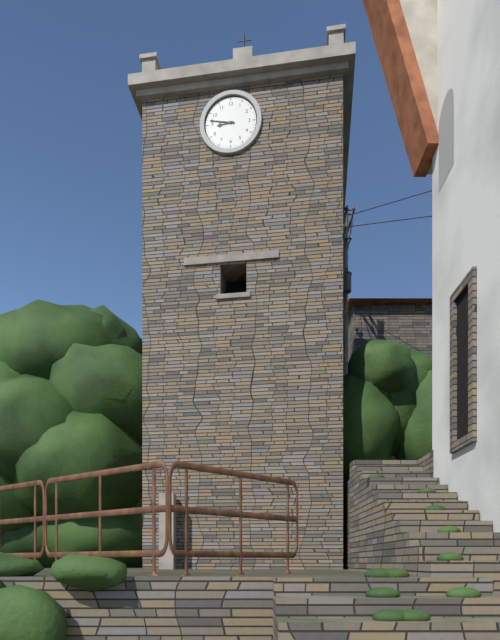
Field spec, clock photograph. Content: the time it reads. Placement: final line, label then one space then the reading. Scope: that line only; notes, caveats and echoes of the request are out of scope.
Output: 8:47
